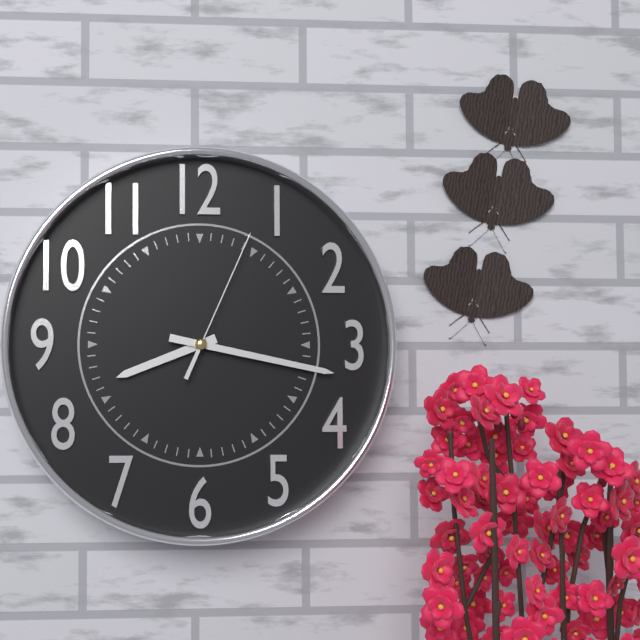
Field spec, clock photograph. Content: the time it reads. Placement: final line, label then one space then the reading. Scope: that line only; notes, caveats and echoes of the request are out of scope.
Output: 8:17:04
